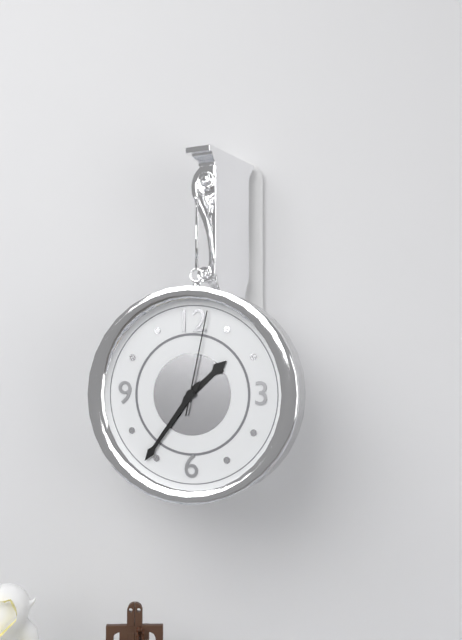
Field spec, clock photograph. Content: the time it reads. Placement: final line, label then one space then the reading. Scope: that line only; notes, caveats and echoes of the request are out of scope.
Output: 1:36:02
